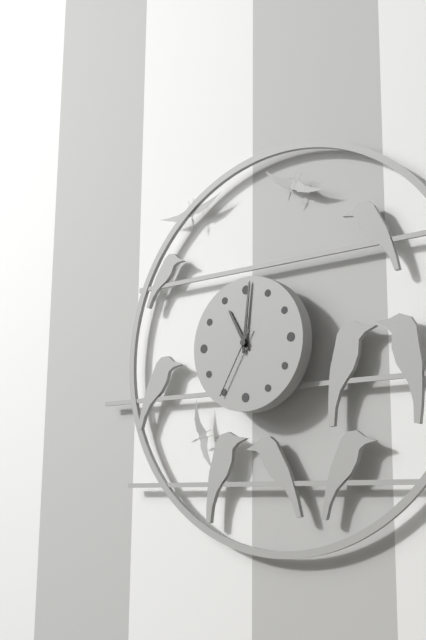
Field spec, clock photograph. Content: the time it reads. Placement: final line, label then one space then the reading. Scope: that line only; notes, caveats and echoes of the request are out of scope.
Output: 11:01:35
